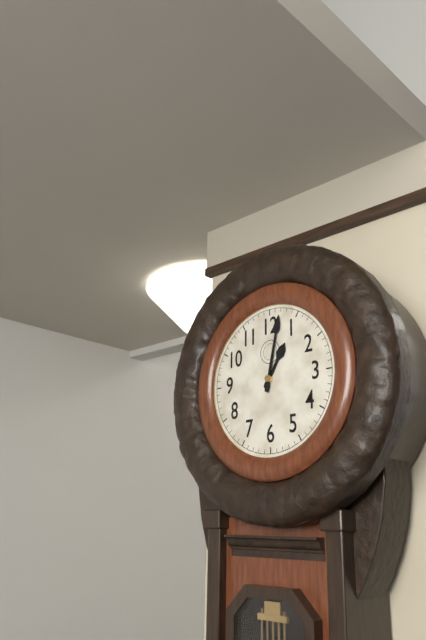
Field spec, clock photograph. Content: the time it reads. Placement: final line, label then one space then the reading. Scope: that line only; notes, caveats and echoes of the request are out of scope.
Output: 1:02
